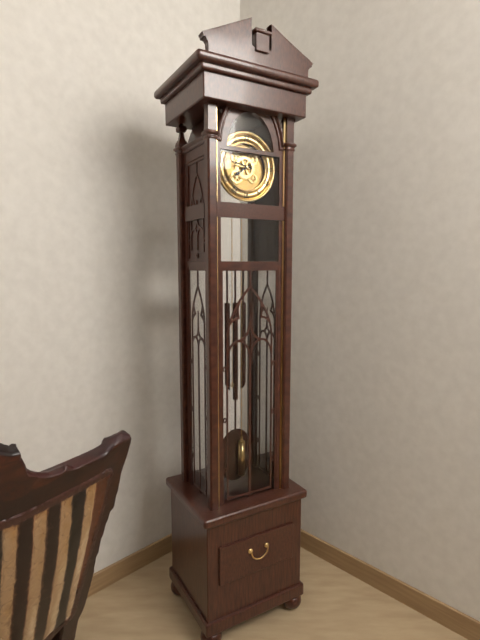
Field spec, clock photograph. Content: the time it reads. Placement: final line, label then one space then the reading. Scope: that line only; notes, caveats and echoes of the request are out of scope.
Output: 7:47
